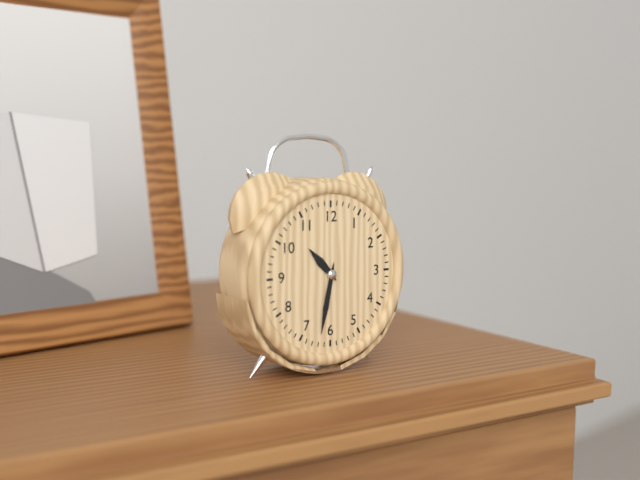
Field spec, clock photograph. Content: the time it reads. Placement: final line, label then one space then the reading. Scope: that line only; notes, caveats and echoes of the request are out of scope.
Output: 10:32
